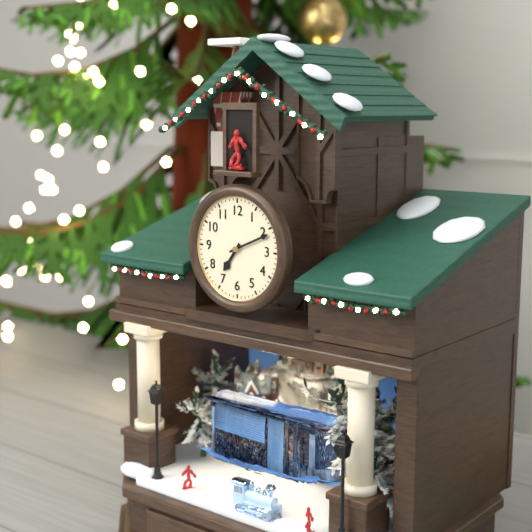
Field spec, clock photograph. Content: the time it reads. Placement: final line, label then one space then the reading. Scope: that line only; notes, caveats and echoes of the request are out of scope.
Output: 7:11
